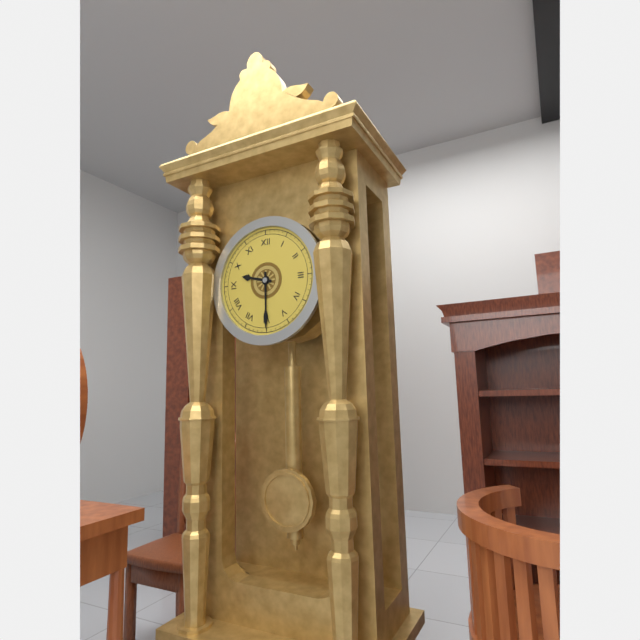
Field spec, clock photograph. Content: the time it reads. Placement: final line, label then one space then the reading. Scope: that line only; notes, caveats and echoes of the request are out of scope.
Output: 9:30
